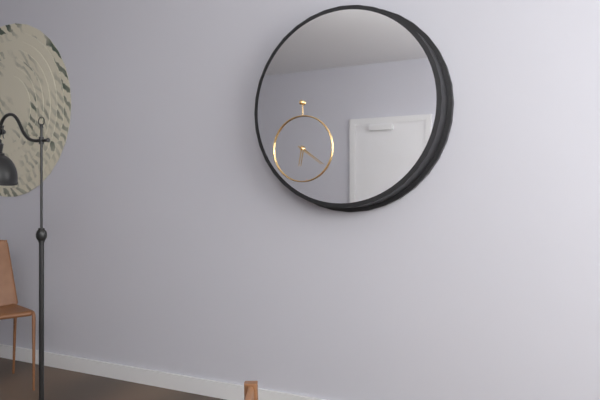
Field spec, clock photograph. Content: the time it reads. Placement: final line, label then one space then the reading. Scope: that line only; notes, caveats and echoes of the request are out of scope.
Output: 6:21
